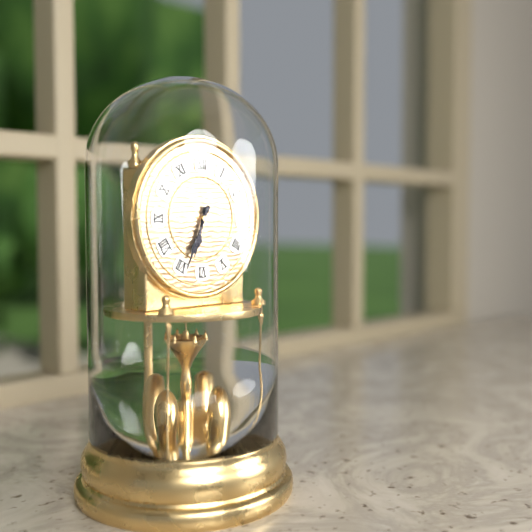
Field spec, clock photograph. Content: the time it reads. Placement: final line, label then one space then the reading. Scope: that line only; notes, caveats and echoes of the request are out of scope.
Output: 6:34
